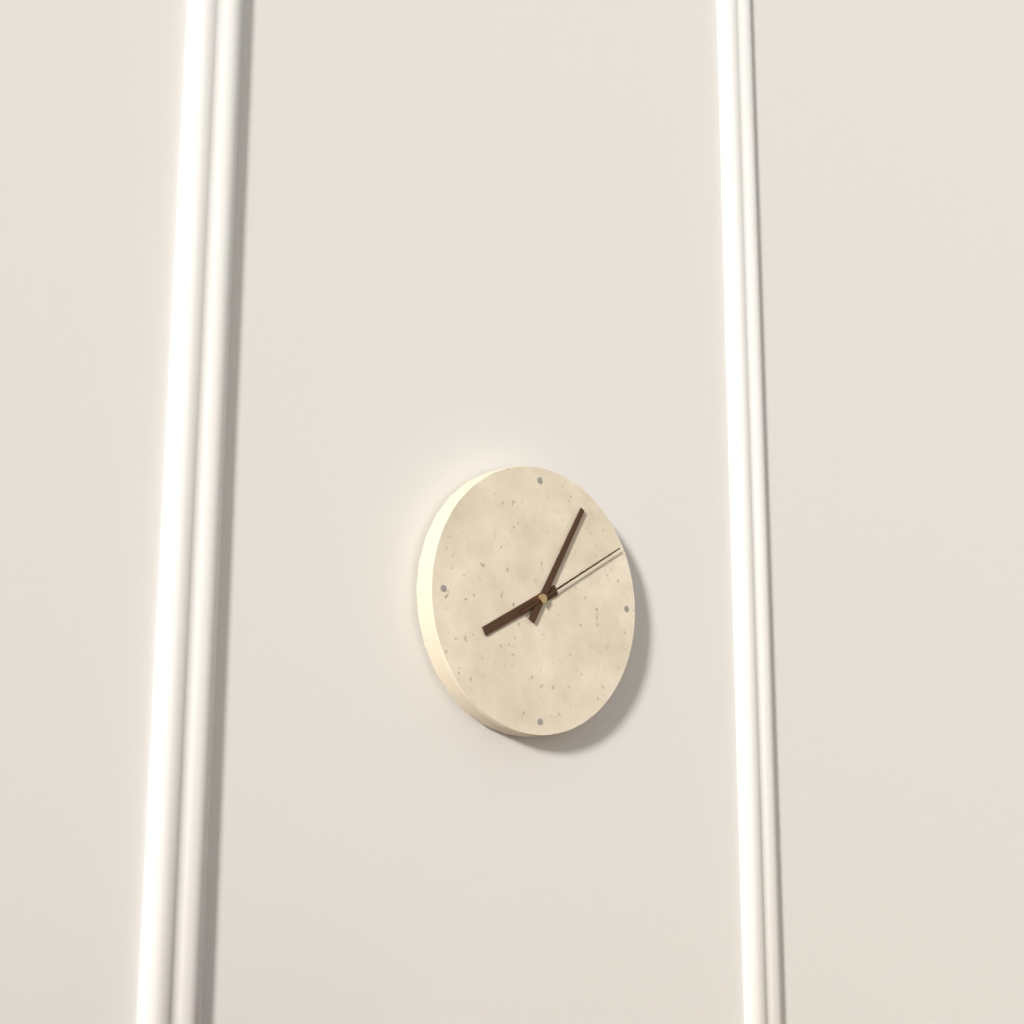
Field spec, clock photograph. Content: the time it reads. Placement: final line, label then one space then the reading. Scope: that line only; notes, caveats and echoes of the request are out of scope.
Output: 8:05:10
